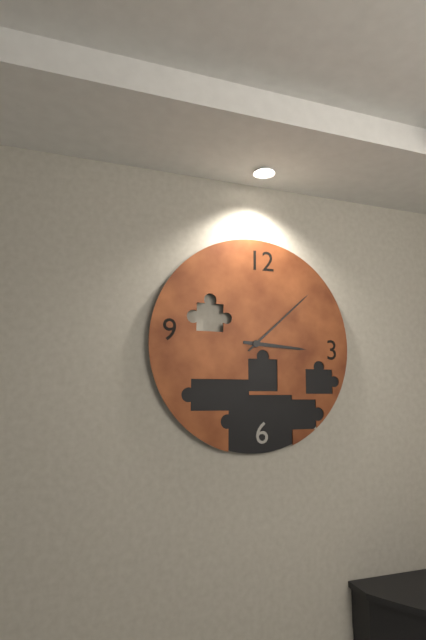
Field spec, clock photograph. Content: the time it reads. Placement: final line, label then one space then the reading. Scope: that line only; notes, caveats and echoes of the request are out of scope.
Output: 3:08
